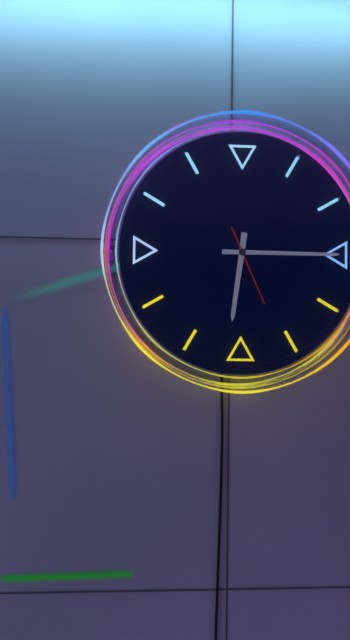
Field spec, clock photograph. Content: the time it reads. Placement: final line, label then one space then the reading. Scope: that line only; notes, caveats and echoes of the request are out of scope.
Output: 6:15:26
